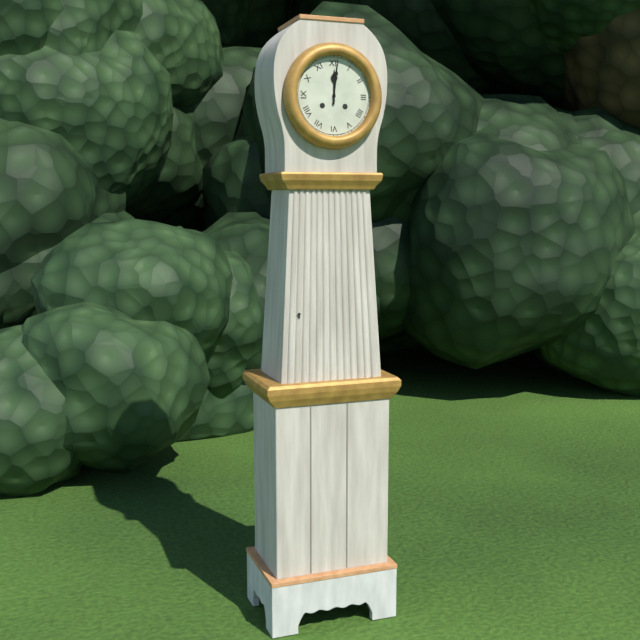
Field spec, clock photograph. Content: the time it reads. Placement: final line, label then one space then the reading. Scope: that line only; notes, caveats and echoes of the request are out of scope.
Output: 12:01
